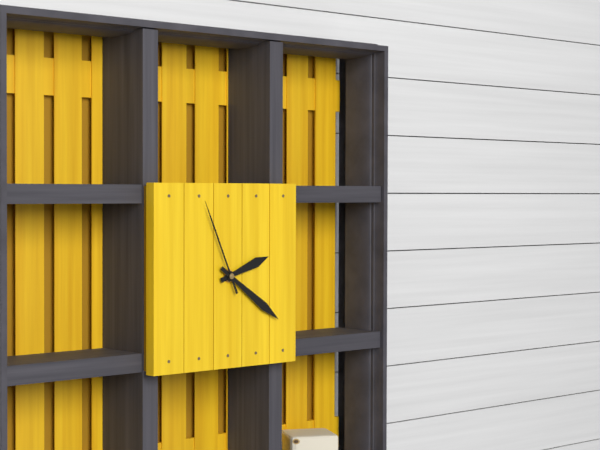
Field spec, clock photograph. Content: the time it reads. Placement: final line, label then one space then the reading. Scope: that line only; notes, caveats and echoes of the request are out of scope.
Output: 2:21:56
